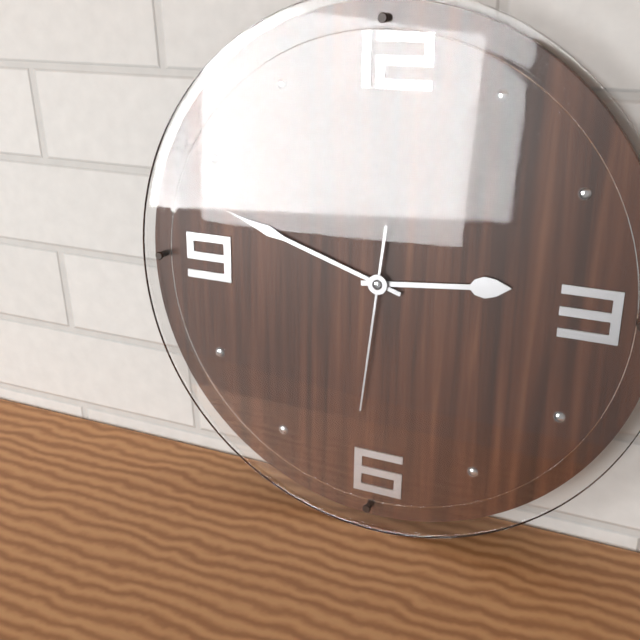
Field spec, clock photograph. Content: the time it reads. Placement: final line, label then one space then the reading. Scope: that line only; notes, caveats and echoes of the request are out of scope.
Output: 2:48:31
